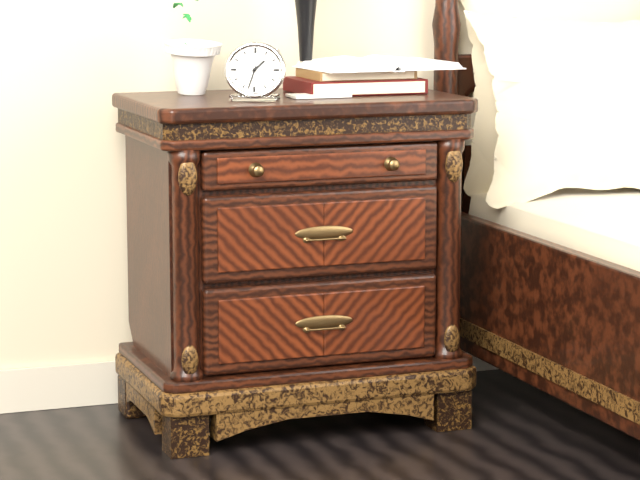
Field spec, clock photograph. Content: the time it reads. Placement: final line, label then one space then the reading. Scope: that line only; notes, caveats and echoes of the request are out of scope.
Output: 1:33
